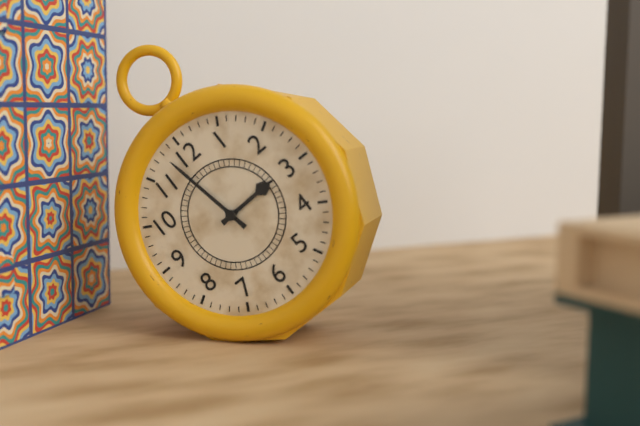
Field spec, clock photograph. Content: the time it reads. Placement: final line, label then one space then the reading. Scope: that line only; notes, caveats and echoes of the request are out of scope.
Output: 2:58
